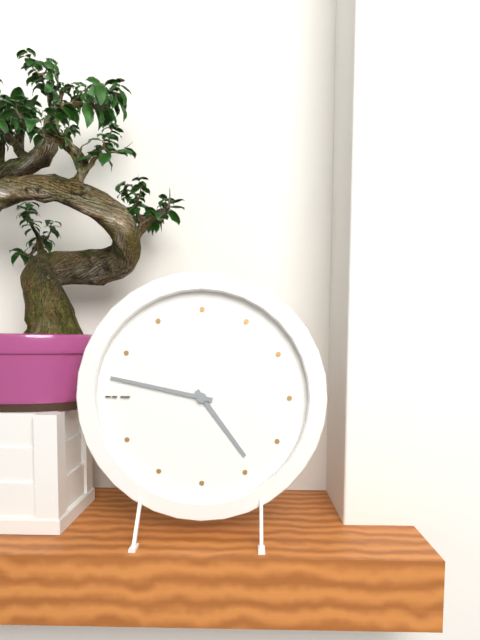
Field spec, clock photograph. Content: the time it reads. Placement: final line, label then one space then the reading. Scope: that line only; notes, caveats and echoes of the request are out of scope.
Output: 4:47
